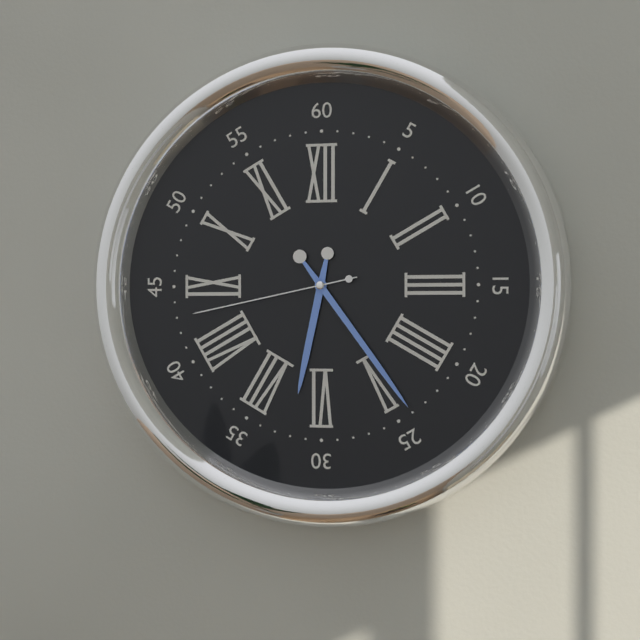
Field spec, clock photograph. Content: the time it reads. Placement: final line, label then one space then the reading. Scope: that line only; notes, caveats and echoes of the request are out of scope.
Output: 6:24:43
